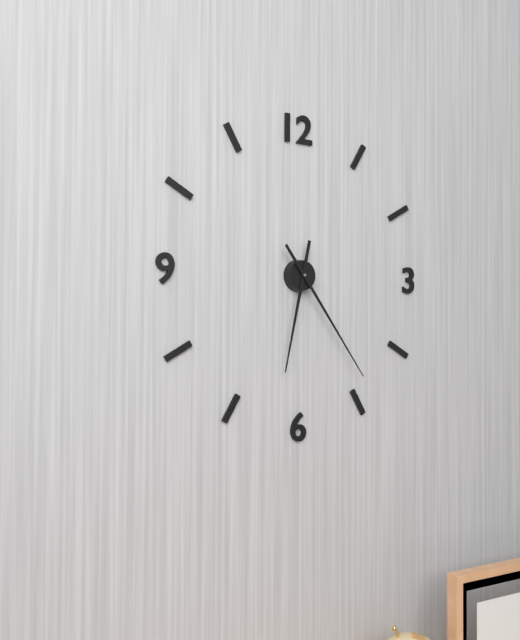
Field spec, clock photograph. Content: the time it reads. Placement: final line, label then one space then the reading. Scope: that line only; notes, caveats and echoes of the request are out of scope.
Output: 6:24
